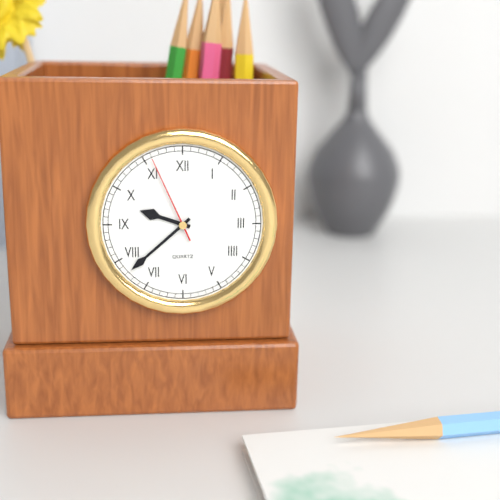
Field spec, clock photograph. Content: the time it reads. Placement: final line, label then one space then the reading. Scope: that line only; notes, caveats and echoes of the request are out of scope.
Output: 9:38:56
